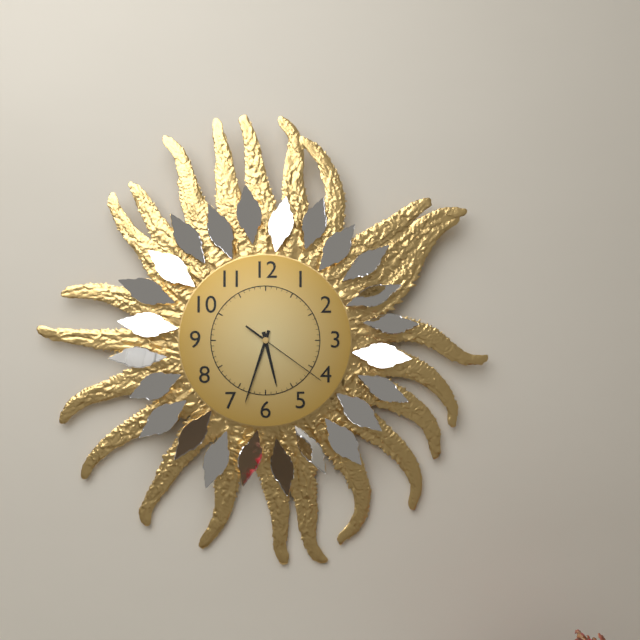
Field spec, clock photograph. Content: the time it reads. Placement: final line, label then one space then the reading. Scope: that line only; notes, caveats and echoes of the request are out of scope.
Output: 5:33:21
